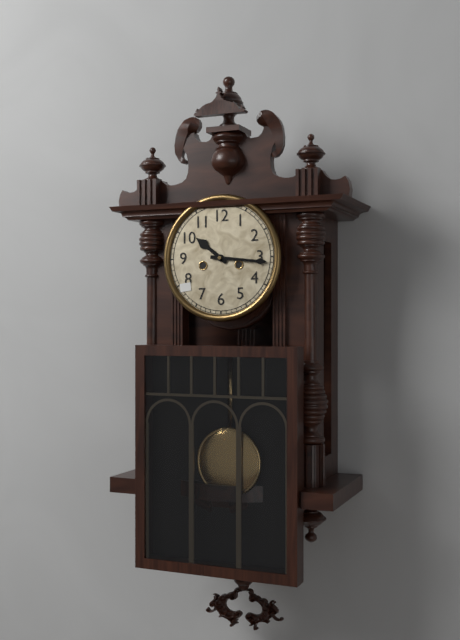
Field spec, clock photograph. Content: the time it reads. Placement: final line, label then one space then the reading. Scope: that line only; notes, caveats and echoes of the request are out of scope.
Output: 10:16
